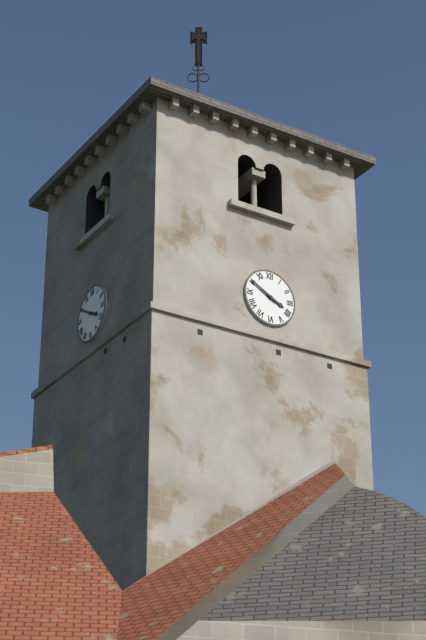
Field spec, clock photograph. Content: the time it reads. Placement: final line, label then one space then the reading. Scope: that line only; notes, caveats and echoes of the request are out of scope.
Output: 3:50
